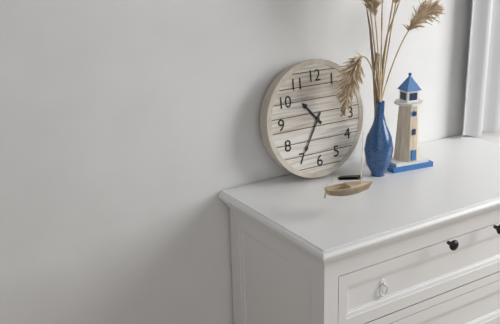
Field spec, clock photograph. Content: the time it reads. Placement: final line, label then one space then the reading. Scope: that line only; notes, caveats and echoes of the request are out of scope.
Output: 10:35
